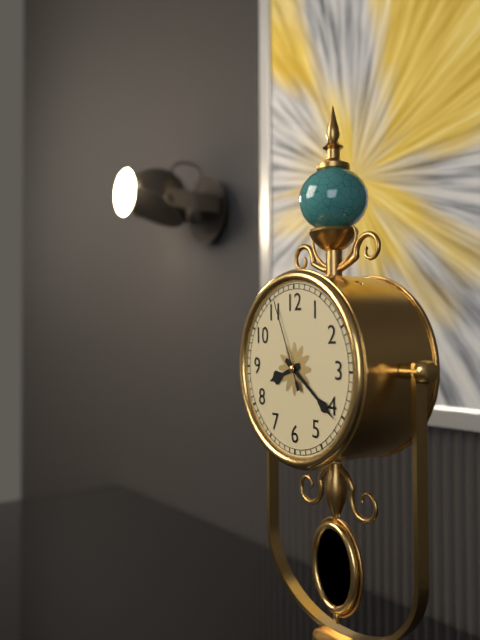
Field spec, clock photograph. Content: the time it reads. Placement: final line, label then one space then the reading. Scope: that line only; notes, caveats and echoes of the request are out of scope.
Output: 8:21:56
